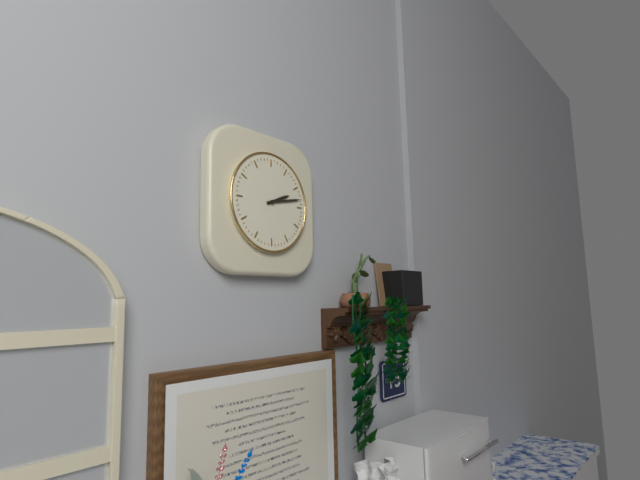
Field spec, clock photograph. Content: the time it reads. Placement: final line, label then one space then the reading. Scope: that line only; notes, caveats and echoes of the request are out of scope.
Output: 2:13
